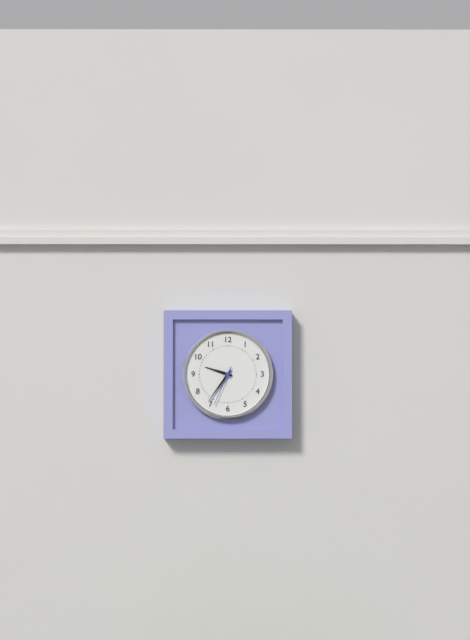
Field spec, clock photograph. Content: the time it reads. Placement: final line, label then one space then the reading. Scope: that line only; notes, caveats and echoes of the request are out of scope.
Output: 9:36
